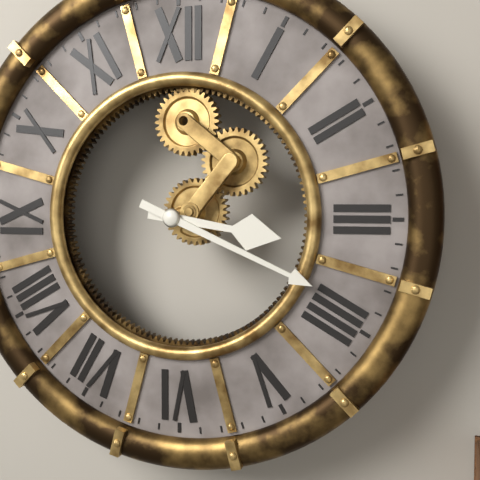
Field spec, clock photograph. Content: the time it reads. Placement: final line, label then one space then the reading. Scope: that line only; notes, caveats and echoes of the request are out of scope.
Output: 3:19
